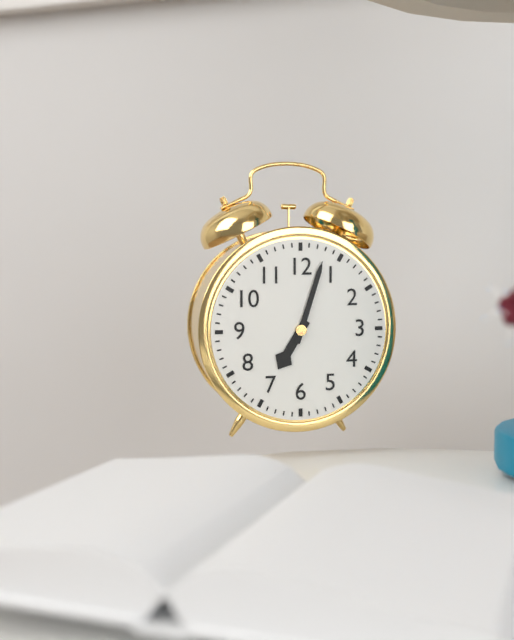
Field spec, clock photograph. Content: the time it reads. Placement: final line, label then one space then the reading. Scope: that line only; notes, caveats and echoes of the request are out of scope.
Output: 7:03
